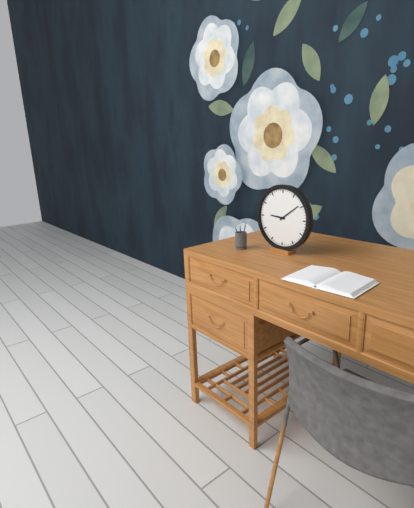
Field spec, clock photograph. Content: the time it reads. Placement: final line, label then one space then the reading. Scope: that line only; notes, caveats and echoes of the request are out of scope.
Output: 9:09
